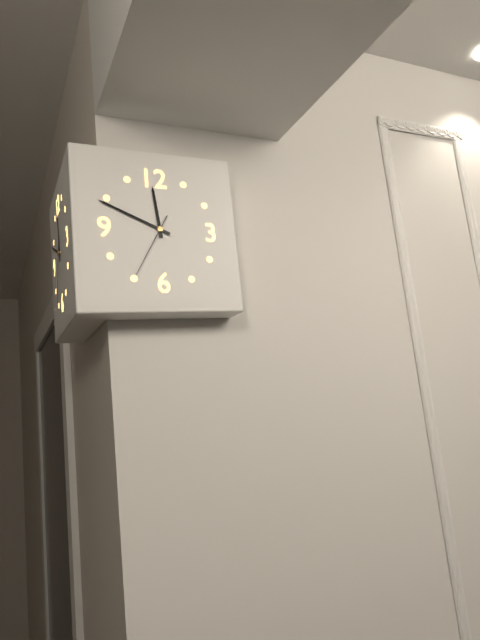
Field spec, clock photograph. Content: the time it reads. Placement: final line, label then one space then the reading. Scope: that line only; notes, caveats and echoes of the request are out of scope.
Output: 11:49:35
